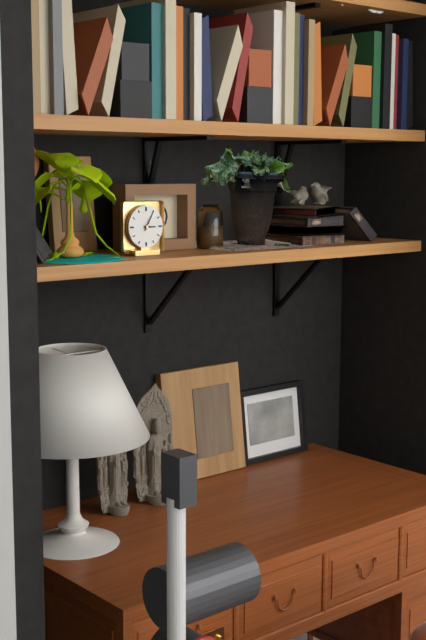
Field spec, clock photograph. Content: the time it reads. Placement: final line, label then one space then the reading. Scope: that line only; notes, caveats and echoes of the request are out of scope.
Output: 3:05
